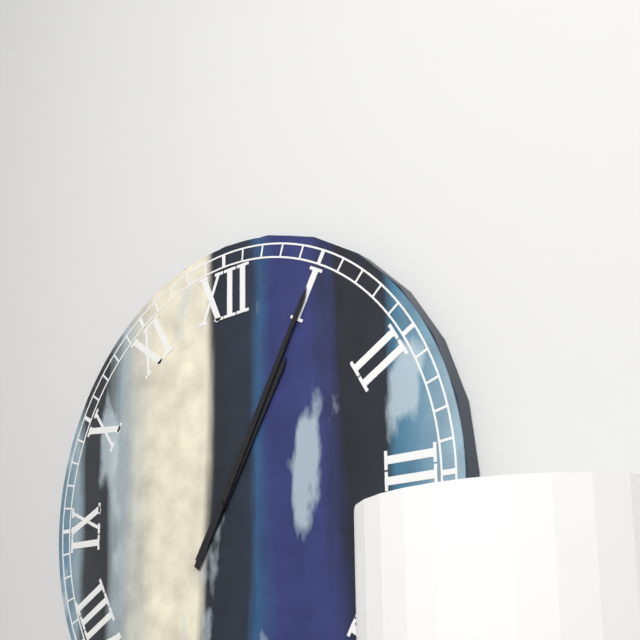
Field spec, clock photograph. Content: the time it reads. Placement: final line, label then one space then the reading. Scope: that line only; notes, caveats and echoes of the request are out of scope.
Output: 1:05
